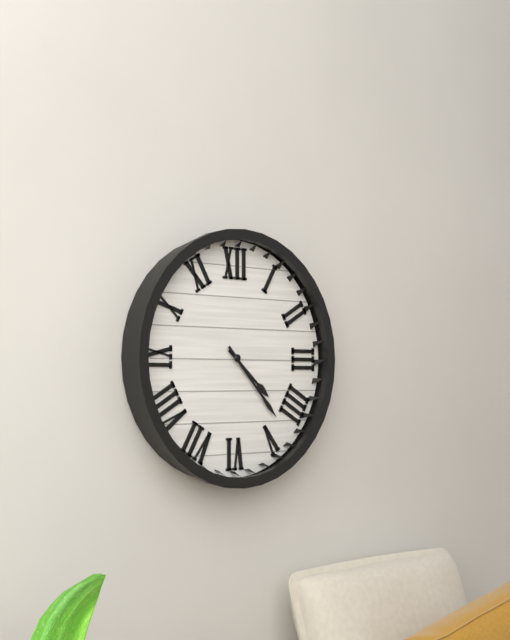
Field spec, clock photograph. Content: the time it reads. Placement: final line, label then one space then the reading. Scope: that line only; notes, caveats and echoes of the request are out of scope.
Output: 4:23
